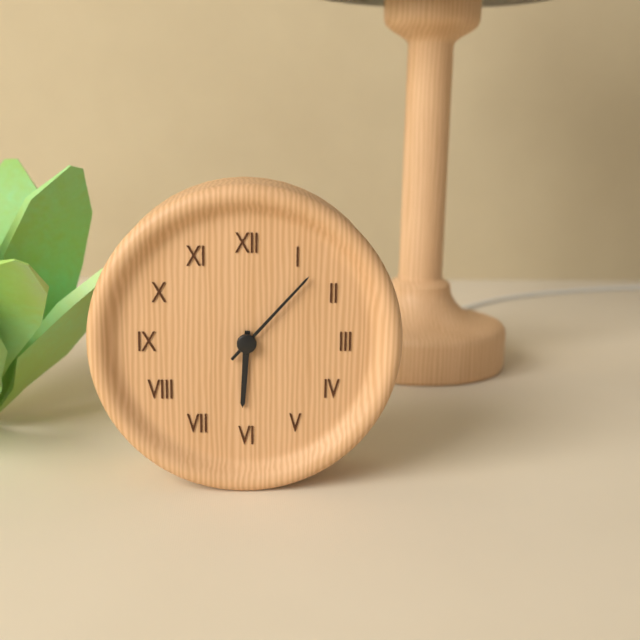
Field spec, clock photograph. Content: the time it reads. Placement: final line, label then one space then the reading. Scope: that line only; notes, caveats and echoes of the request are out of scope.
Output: 6:07
